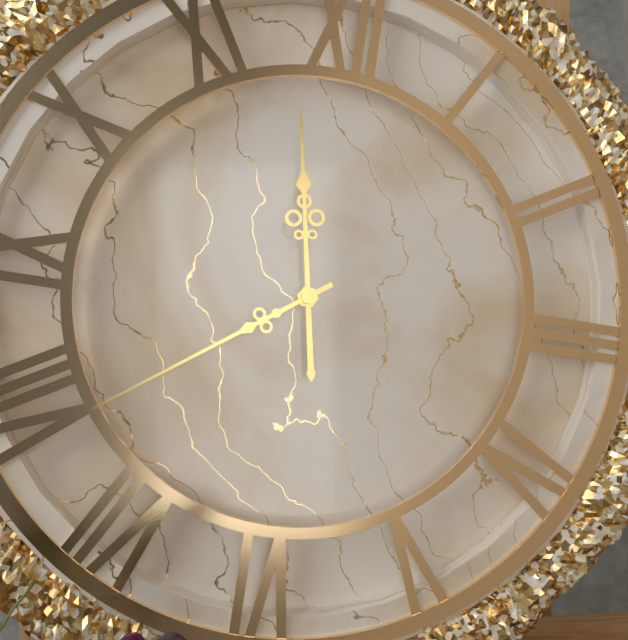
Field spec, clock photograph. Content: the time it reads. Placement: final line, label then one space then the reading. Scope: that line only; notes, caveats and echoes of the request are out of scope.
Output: 11:39
